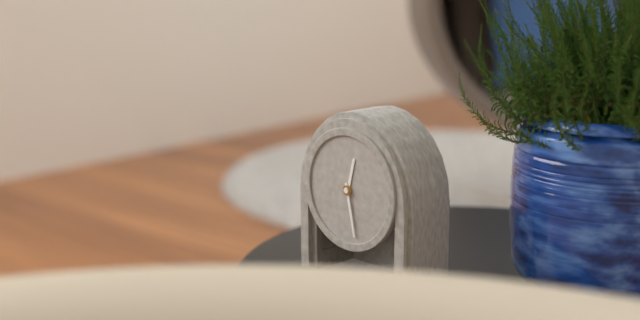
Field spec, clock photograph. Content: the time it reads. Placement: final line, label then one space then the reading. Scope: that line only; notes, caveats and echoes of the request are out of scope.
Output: 12:28
